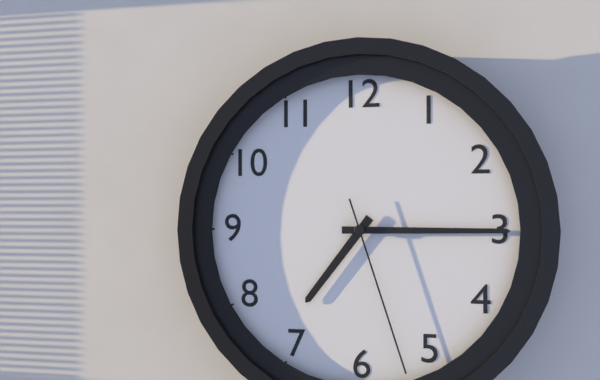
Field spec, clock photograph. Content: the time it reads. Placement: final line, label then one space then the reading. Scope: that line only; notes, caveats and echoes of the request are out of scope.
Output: 7:15:27
